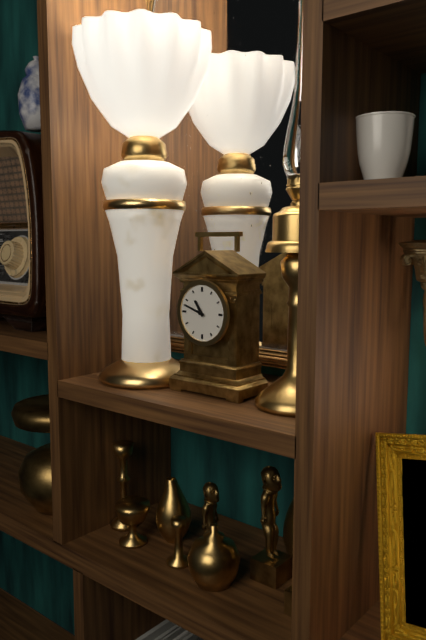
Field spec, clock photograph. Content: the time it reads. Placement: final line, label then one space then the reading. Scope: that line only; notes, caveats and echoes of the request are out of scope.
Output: 10:48
